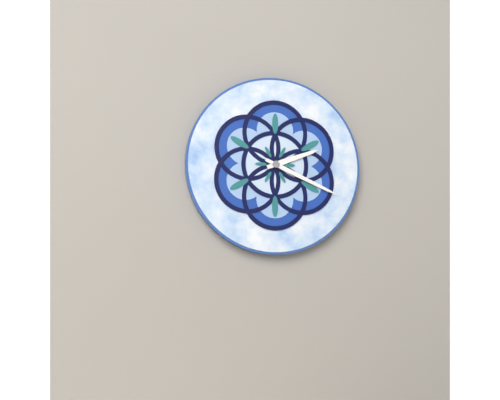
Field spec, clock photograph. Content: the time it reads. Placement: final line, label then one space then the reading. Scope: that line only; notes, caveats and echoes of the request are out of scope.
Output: 2:19
